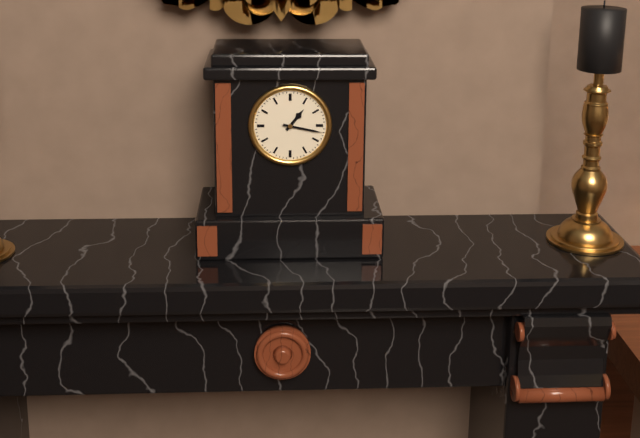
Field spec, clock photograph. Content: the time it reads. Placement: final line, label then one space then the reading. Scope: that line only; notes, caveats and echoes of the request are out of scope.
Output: 1:17
